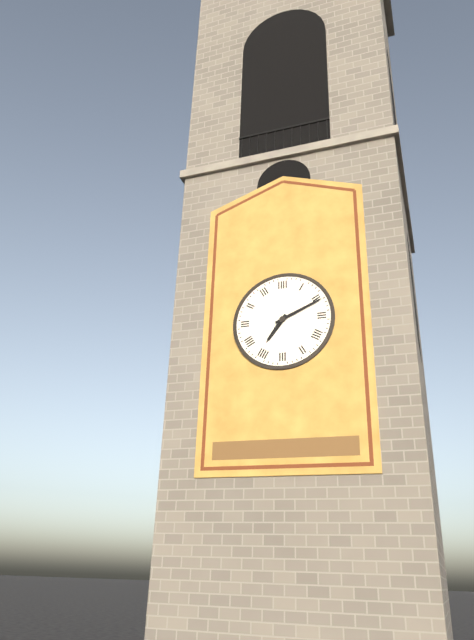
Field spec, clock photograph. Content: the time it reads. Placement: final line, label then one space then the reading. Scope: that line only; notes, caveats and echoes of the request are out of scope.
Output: 7:11
